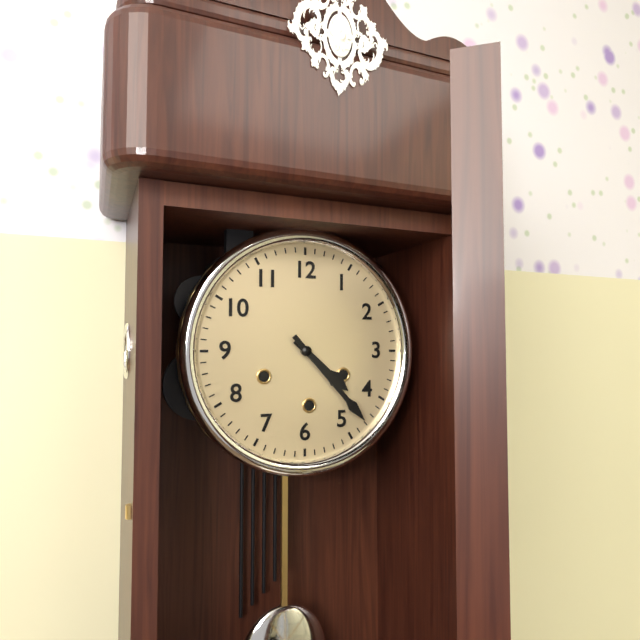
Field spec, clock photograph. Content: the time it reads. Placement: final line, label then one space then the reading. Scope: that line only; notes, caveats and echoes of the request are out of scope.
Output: 4:23
